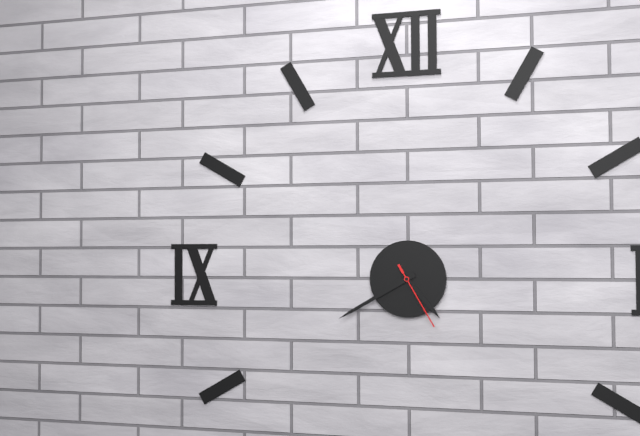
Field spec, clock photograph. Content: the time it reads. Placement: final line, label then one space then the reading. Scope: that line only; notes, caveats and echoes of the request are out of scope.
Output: 4:40:25
